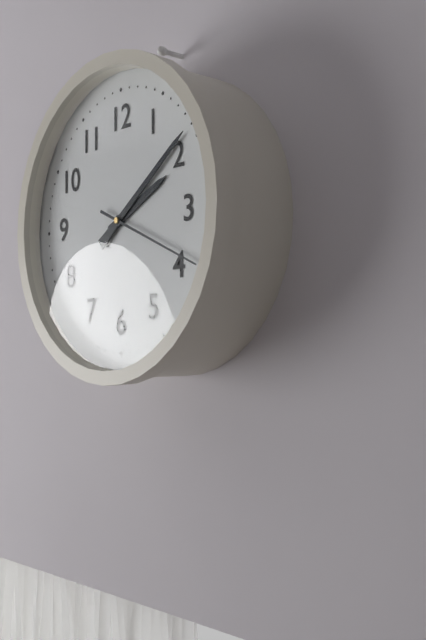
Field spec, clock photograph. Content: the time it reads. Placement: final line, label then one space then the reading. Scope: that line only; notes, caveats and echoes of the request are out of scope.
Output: 2:09
